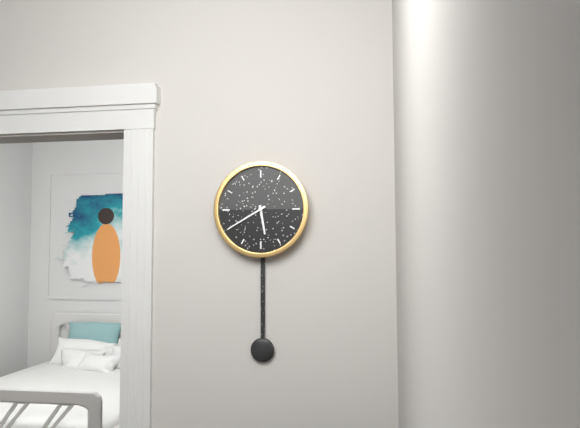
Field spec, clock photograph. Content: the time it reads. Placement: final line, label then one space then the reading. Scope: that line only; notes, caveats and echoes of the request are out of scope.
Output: 5:40
